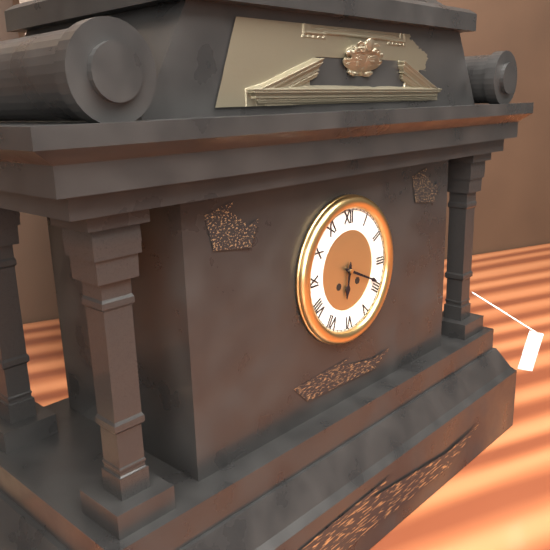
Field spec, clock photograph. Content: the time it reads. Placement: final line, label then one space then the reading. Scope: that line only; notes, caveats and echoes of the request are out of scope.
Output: 6:19
